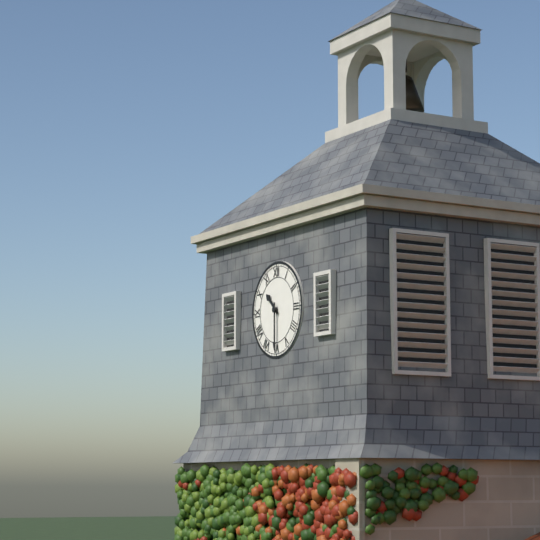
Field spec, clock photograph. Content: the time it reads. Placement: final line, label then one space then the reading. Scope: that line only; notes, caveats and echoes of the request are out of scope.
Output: 10:30
